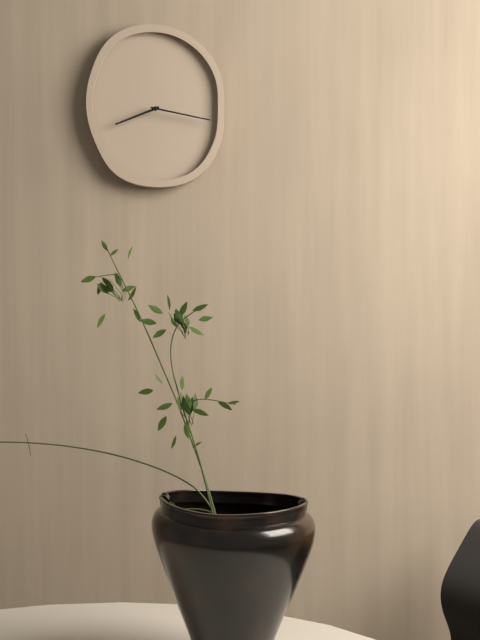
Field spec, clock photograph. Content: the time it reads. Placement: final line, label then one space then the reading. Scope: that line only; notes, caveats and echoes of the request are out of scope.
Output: 8:17
